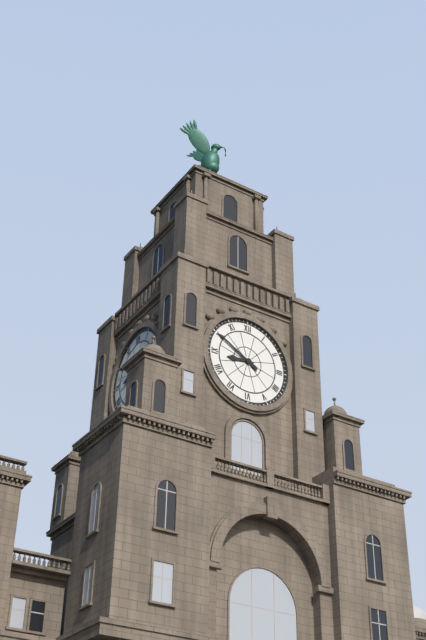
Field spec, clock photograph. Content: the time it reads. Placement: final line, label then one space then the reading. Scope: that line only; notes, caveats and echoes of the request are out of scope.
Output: 8:50
